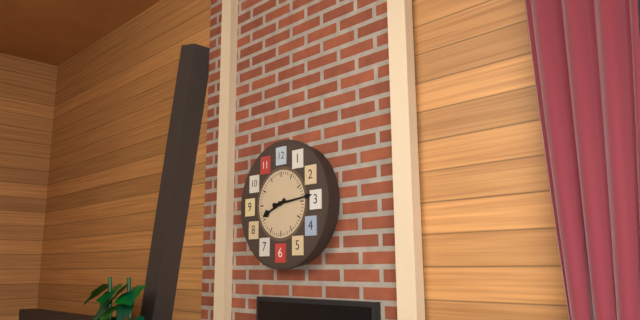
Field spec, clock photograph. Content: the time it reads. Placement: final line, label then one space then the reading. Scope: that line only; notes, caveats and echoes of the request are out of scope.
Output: 8:14
